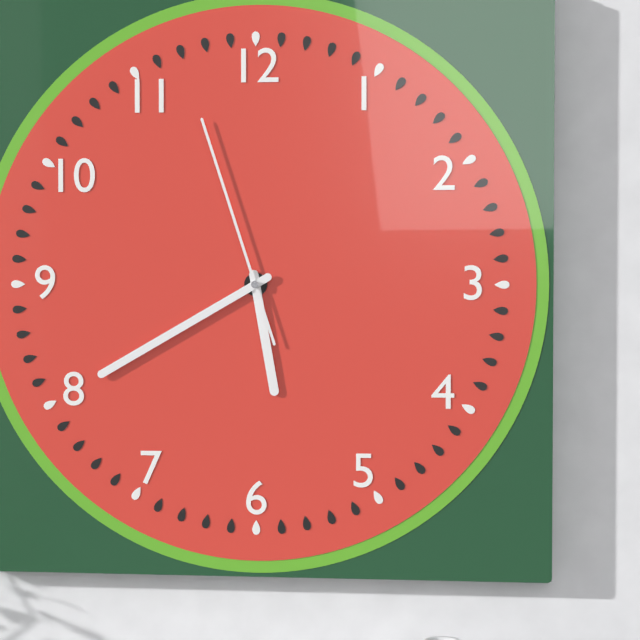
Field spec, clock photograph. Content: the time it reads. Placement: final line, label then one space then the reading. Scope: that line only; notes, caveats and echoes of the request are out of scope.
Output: 5:40:57
